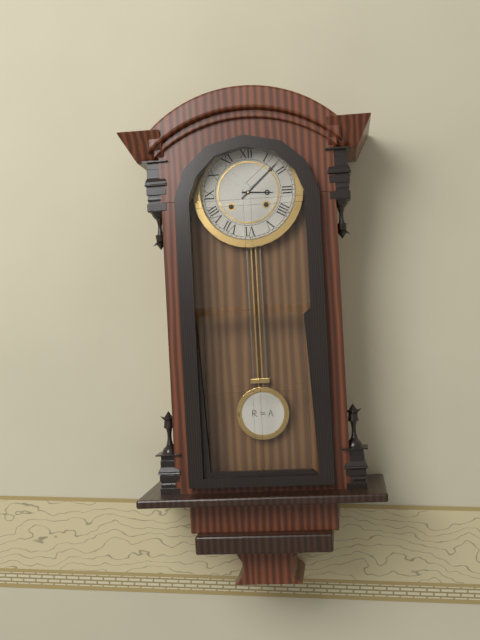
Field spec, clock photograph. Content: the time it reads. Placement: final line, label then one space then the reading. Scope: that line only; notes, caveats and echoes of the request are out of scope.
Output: 3:08
